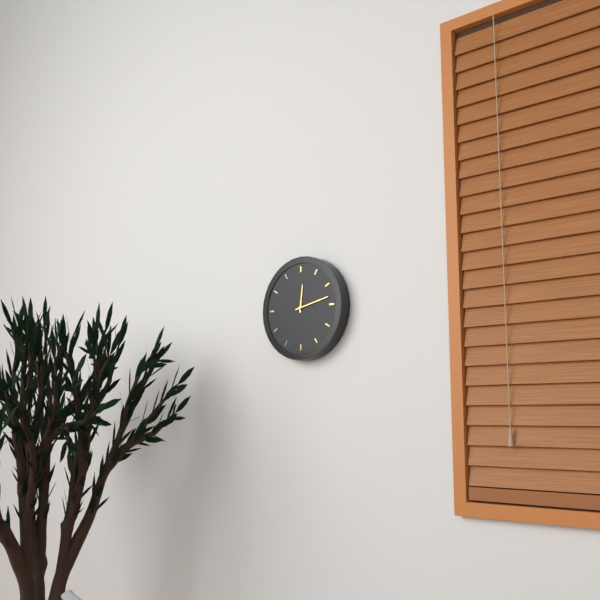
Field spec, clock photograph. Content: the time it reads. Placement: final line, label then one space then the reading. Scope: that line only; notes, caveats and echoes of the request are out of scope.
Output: 12:13
